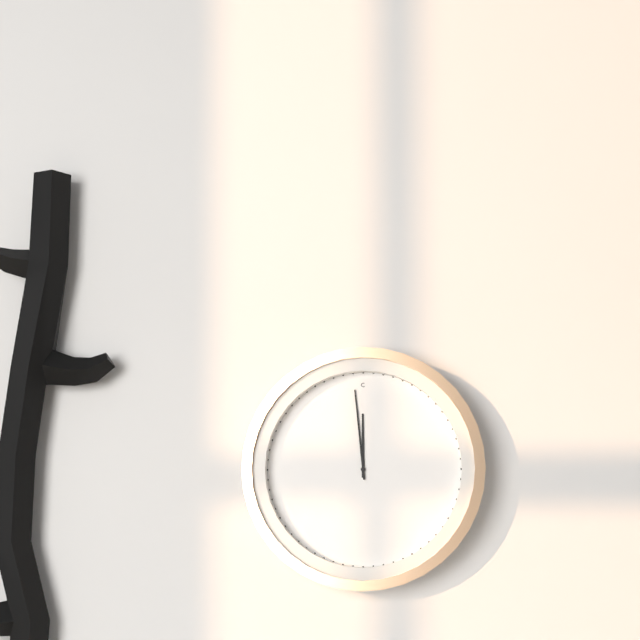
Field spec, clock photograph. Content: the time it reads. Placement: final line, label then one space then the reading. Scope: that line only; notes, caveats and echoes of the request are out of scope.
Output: 11:59
